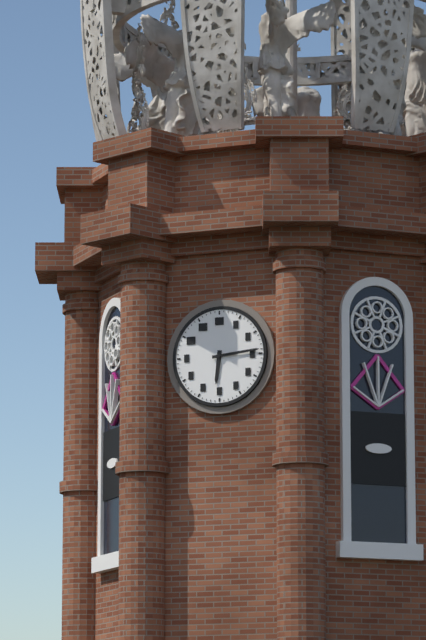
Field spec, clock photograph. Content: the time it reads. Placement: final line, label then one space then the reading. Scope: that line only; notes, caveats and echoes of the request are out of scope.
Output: 6:14
